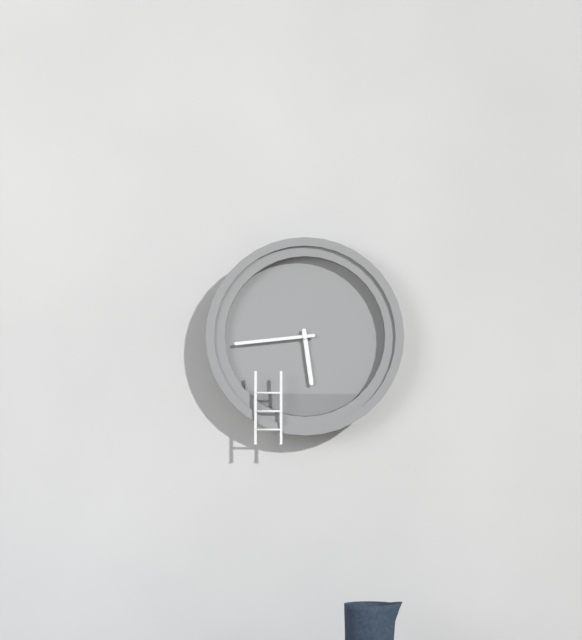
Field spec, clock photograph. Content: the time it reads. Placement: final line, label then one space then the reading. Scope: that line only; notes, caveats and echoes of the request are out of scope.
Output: 5:44
